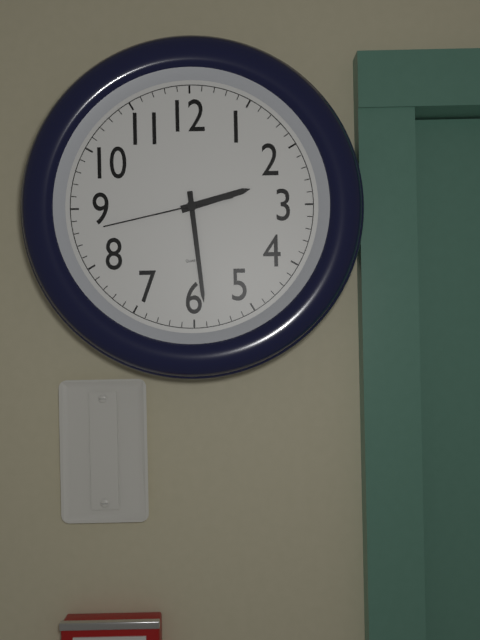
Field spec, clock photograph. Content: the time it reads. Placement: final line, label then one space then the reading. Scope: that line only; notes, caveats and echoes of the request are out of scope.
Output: 2:29:43
